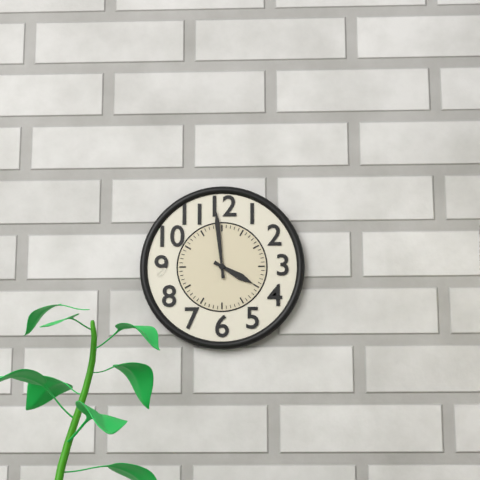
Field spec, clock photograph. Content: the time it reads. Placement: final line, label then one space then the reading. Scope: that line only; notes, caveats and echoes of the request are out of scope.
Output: 3:59
